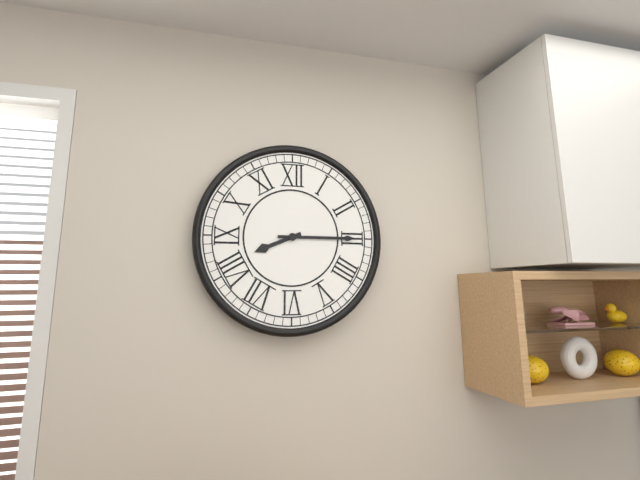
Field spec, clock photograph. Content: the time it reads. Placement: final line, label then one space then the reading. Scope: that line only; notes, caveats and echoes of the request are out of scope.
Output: 8:15
